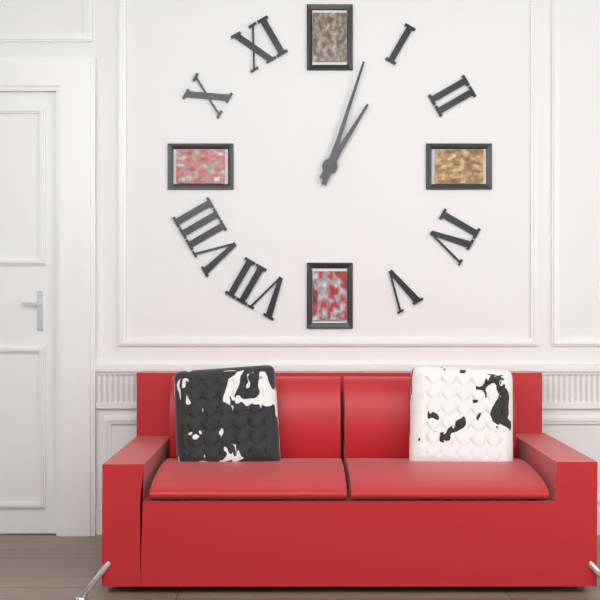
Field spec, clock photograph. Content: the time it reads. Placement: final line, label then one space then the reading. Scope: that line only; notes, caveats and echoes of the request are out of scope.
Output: 1:03
